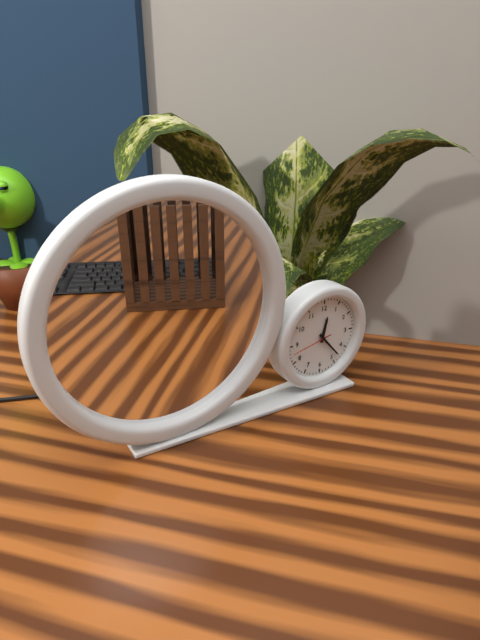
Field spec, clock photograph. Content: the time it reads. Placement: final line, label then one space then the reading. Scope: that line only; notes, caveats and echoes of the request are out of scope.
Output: 12:23
